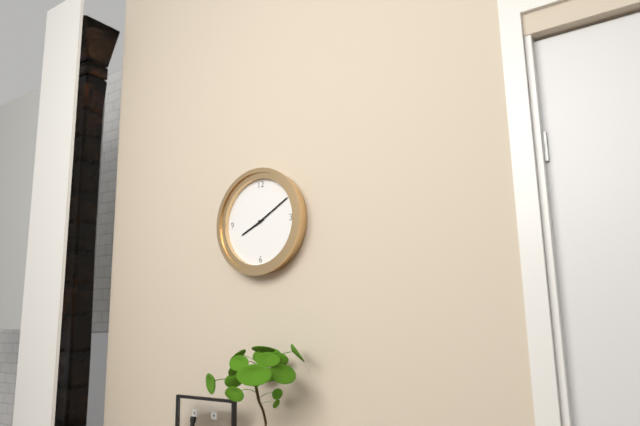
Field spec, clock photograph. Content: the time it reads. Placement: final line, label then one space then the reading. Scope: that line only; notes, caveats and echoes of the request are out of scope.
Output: 8:10
